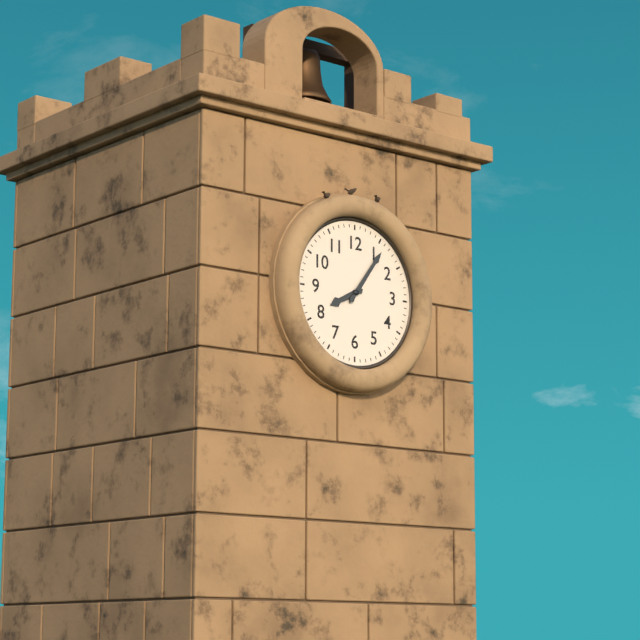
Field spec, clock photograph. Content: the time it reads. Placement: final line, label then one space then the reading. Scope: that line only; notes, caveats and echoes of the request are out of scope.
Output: 8:06
